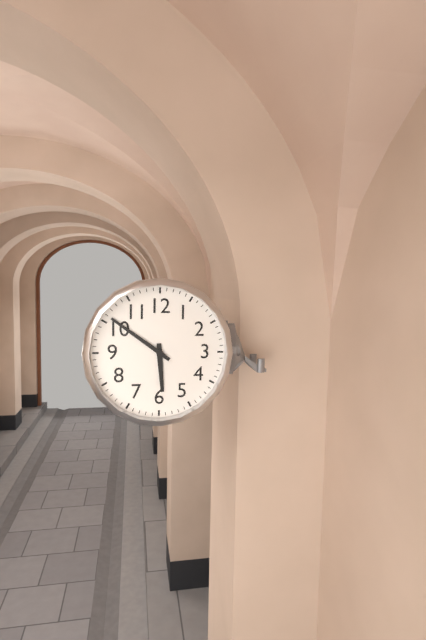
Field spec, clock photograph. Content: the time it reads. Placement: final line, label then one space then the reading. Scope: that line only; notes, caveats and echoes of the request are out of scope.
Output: 5:51
